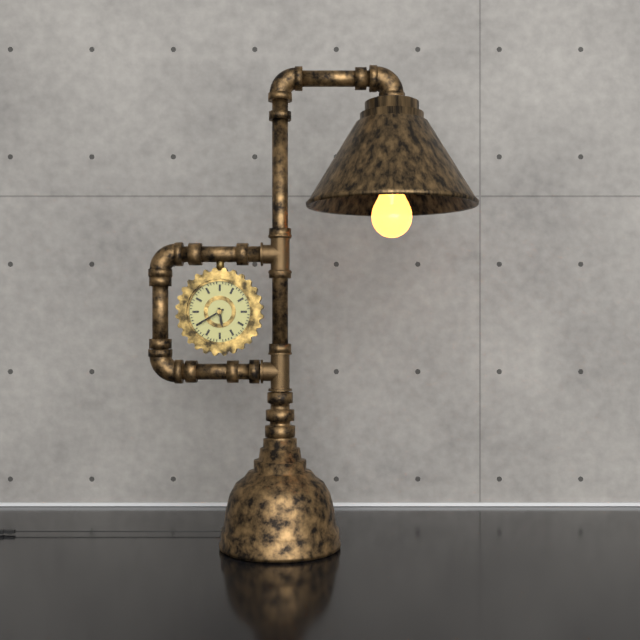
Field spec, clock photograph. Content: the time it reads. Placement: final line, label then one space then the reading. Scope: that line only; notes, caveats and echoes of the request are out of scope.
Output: 5:40
